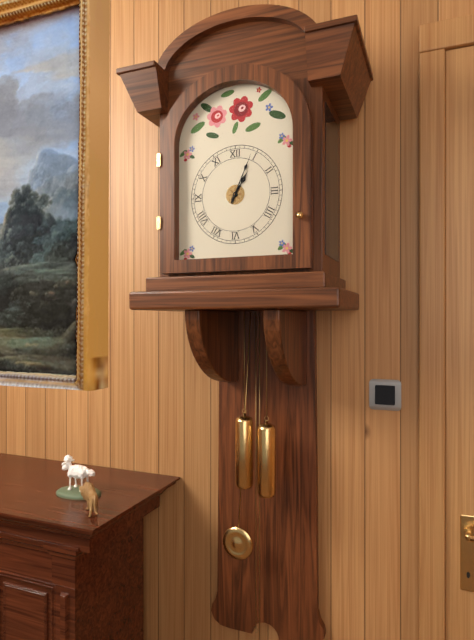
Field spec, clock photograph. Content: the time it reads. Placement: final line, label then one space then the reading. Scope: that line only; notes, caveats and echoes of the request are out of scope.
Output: 1:04
